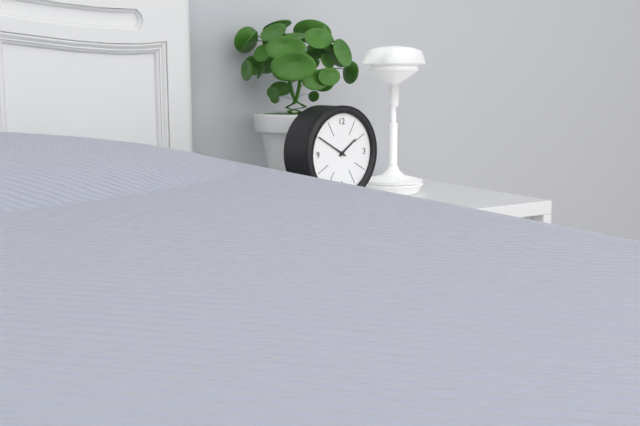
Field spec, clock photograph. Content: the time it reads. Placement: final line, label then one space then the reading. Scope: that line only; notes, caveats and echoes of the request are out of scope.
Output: 1:50
